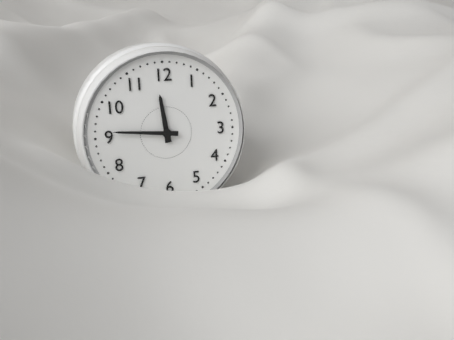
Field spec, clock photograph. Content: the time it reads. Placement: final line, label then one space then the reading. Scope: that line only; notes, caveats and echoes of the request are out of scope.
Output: 11:46
